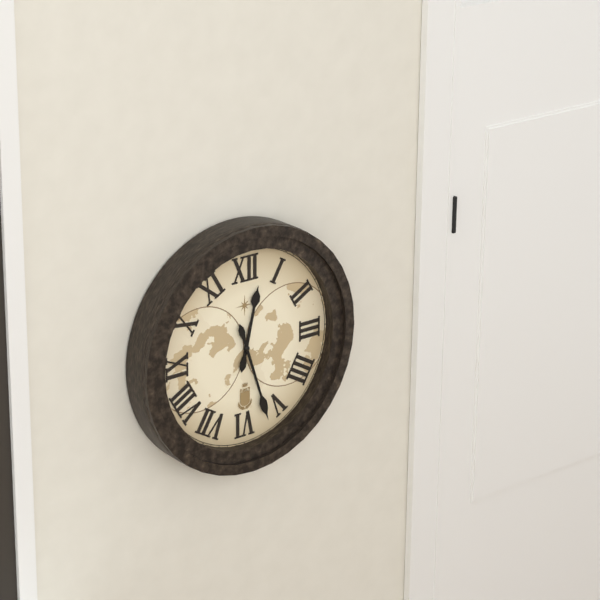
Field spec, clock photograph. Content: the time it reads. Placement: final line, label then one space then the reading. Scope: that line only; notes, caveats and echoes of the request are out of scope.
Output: 12:27
